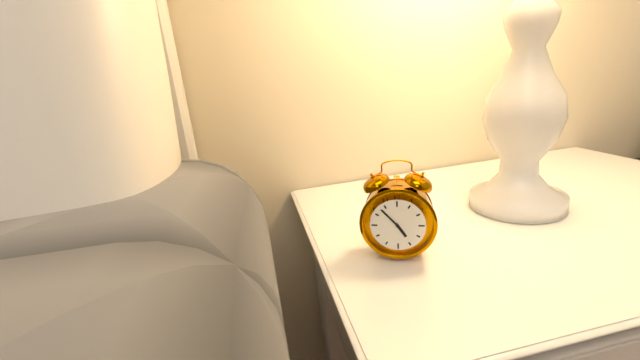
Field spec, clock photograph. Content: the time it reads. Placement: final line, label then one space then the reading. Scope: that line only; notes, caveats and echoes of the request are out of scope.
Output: 4:53
